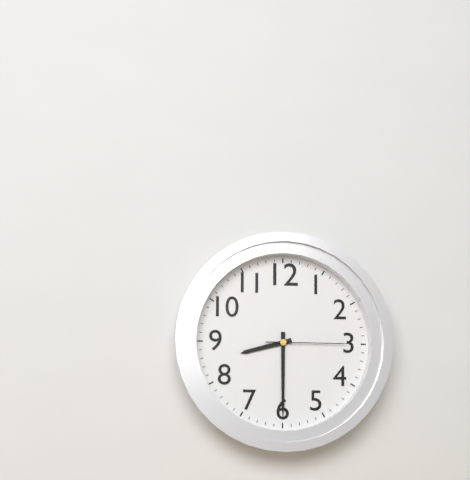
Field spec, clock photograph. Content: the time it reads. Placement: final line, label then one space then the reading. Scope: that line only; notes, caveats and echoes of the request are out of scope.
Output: 8:30:15
